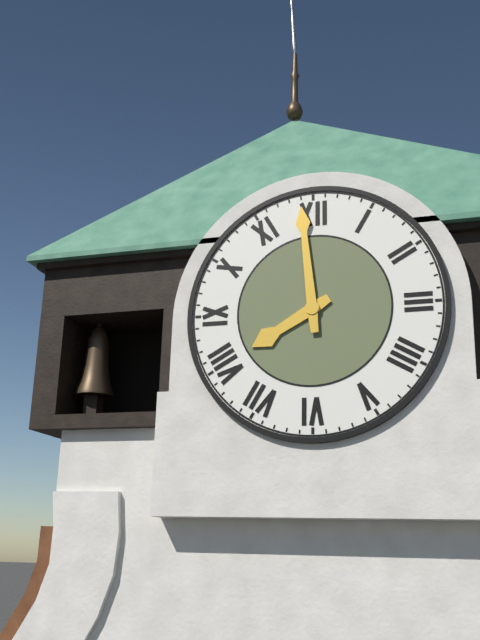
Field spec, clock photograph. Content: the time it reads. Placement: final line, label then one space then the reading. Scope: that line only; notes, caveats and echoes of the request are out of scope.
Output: 7:59
